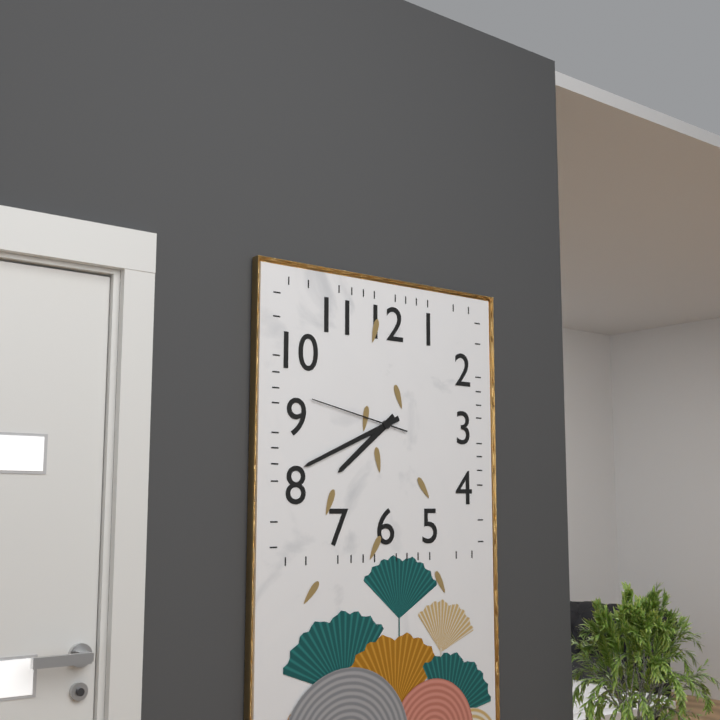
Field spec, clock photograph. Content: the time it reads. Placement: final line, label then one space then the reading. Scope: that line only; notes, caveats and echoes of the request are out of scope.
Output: 7:41:47
